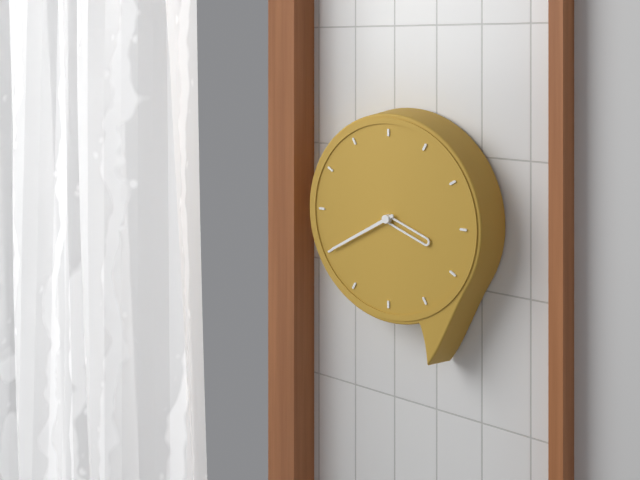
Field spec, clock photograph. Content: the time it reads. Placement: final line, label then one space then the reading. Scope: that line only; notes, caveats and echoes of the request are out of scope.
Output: 3:40
